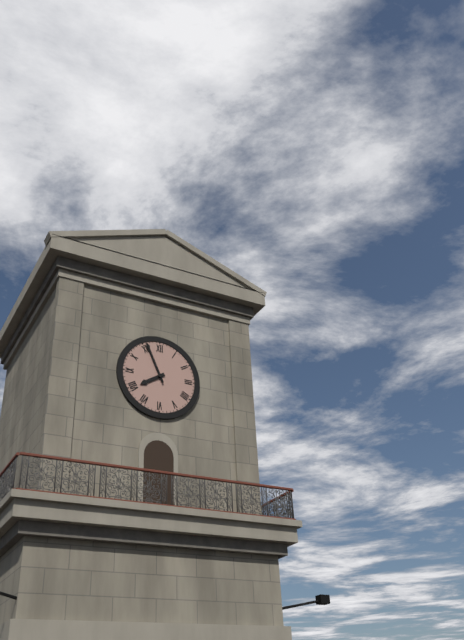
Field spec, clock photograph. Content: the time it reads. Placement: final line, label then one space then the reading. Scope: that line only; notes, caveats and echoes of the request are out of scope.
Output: 7:56
